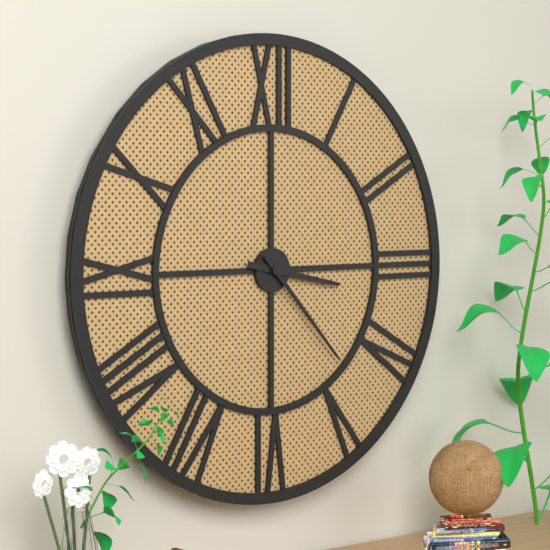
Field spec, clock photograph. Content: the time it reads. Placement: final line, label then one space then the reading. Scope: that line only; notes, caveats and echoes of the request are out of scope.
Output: 3:23
